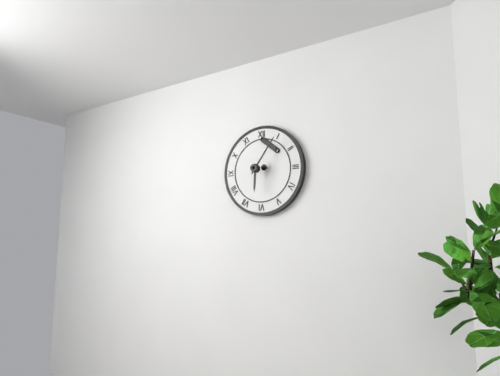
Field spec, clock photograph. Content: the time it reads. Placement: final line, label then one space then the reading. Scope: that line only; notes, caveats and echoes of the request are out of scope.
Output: 6:06
